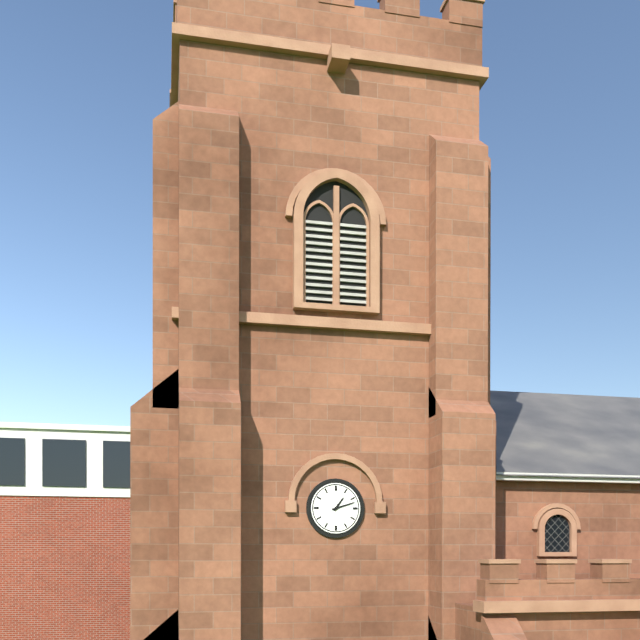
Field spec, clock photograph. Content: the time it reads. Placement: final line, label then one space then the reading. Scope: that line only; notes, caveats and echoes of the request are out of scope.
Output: 1:12
